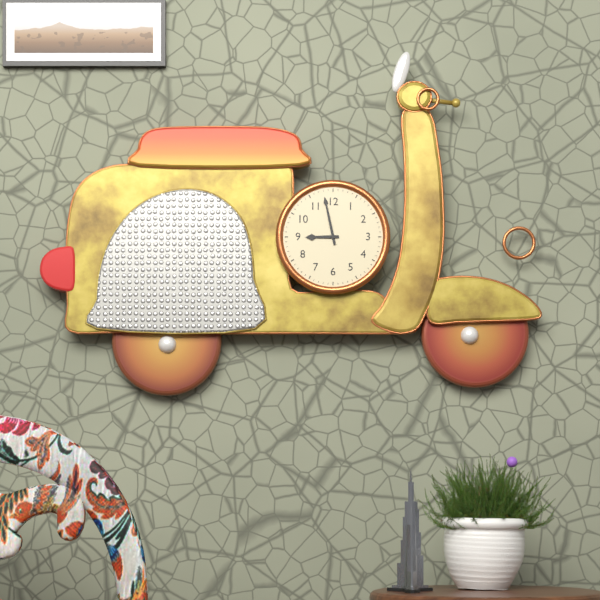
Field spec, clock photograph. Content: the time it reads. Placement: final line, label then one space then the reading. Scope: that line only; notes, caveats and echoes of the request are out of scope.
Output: 8:58
